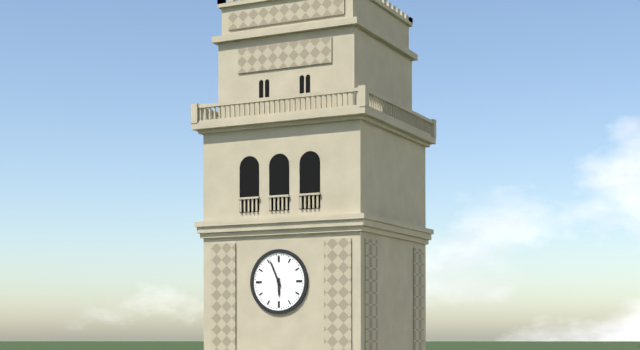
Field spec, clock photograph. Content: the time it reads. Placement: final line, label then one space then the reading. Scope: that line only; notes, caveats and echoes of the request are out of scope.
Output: 5:56
